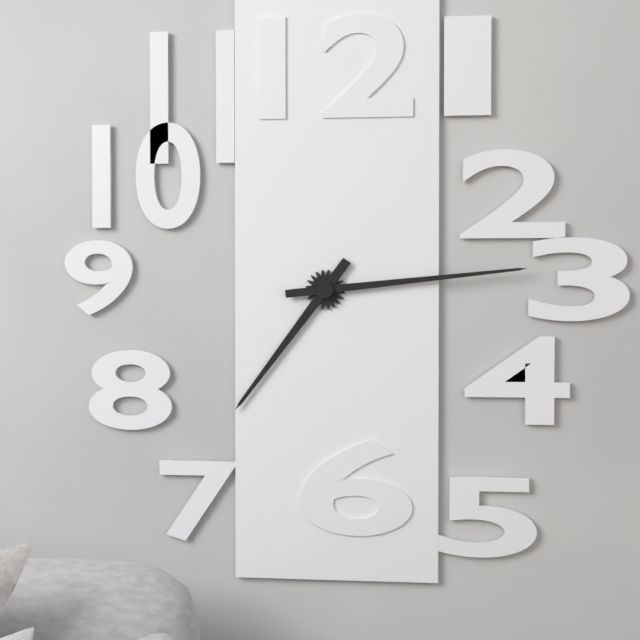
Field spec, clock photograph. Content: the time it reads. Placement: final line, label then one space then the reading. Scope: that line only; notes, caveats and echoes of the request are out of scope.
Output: 7:14
